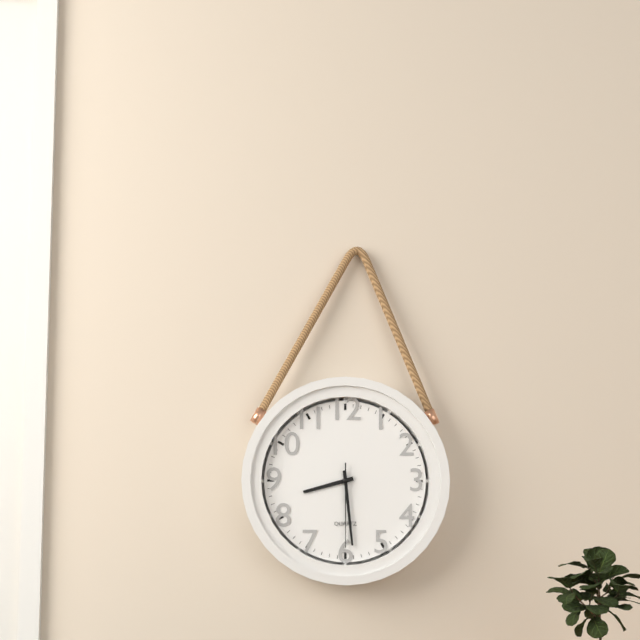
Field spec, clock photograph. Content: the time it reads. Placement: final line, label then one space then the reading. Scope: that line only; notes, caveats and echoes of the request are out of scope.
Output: 8:29:30
